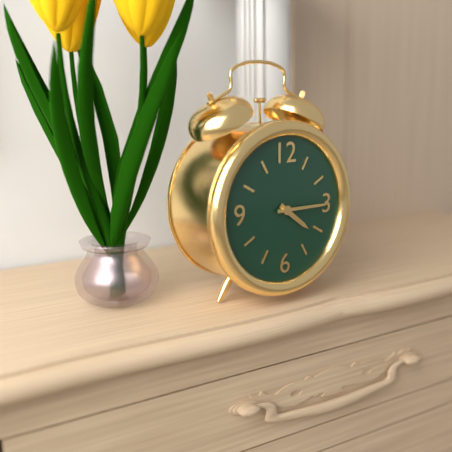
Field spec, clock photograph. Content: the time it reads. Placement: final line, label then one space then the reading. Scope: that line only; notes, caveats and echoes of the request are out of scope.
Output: 4:15
